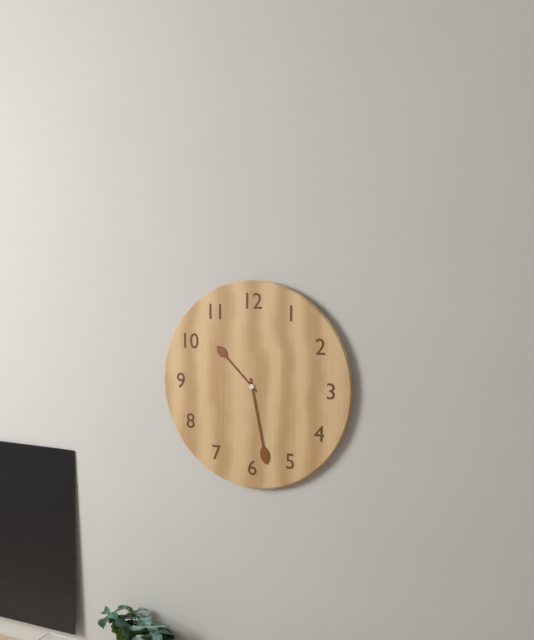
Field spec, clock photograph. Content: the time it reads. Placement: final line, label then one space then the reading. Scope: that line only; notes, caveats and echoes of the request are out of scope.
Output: 10:28
